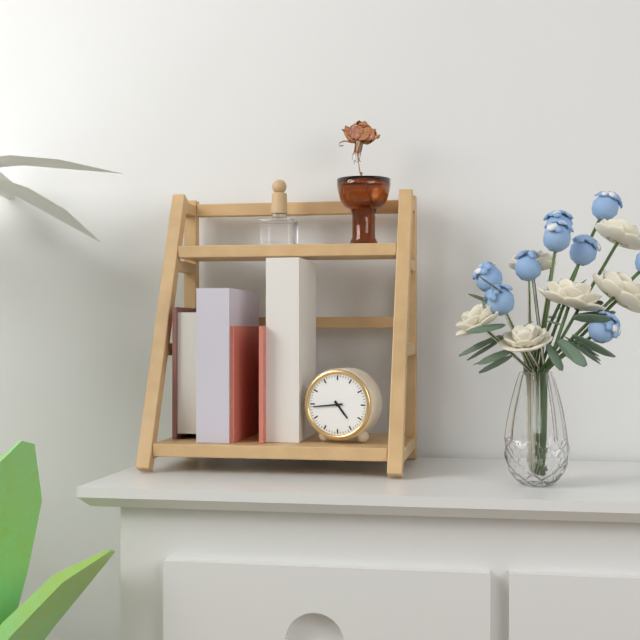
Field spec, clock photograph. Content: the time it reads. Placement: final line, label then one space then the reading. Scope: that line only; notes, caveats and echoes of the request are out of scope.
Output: 4:44
